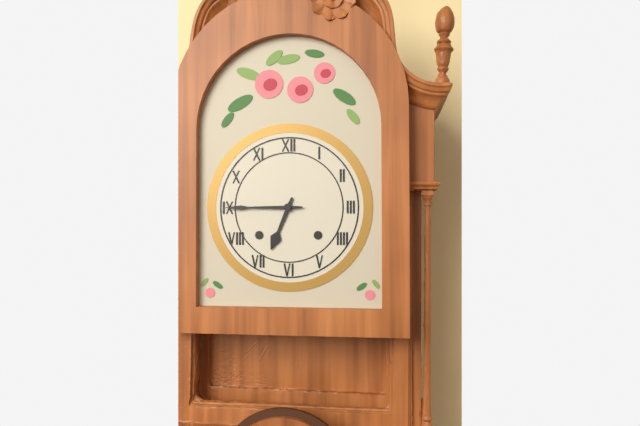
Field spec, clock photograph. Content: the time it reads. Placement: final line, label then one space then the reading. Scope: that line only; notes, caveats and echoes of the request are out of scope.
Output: 6:45
